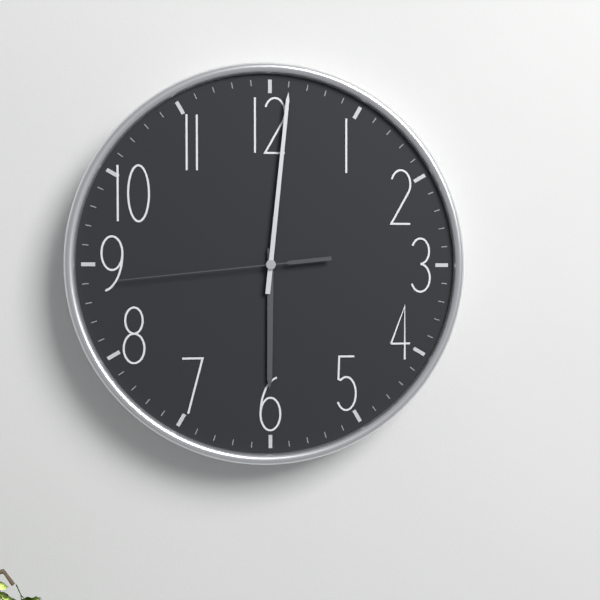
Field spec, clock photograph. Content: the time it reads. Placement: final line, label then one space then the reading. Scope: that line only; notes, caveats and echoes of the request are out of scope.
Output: 6:01:44
